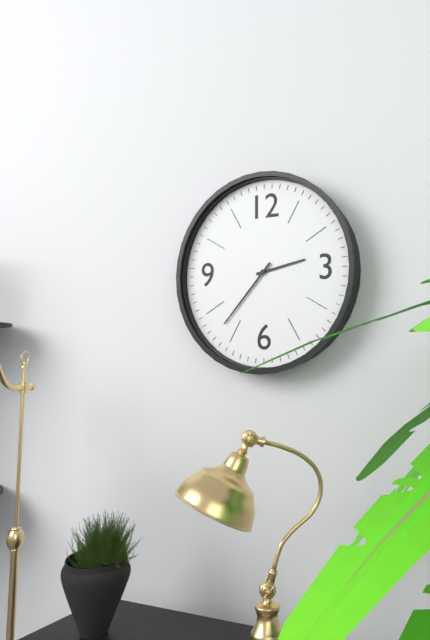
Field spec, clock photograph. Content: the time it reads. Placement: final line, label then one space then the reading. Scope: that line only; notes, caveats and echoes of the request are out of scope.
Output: 2:37
